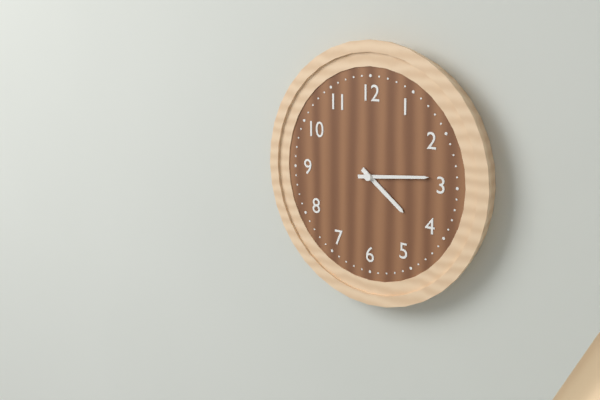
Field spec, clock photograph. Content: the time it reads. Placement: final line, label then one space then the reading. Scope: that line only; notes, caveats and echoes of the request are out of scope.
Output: 4:14
